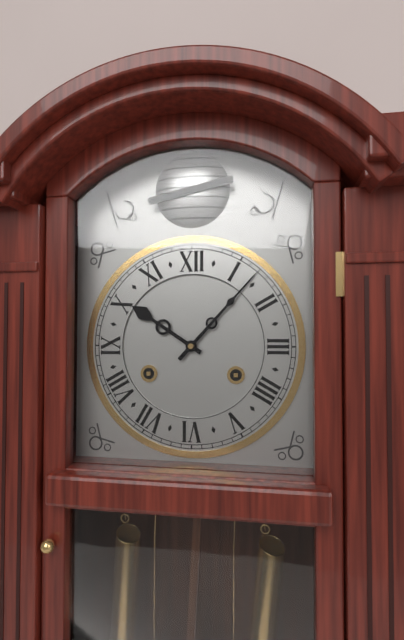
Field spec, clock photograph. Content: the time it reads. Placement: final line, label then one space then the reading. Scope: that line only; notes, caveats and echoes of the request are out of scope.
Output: 10:07
